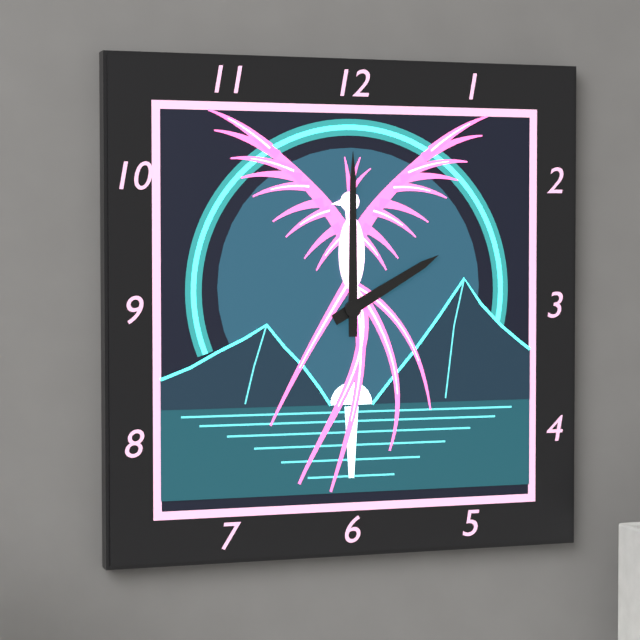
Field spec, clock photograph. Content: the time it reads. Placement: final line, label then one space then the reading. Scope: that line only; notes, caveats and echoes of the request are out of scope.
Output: 2:00
